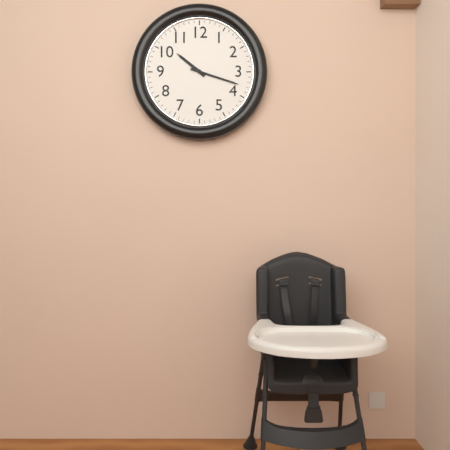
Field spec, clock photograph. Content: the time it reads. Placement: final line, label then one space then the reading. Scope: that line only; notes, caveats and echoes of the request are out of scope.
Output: 10:18
